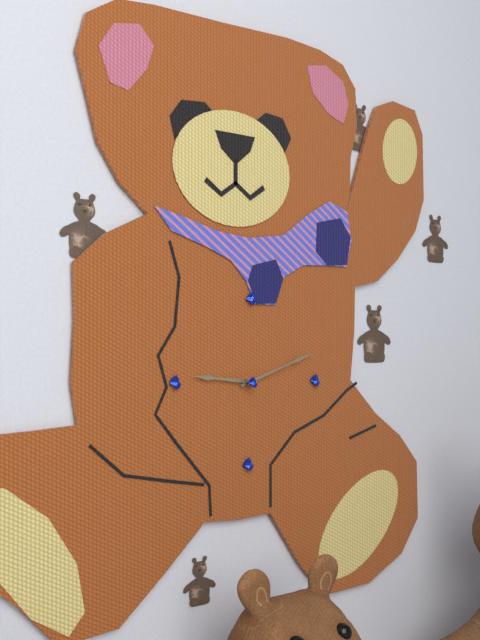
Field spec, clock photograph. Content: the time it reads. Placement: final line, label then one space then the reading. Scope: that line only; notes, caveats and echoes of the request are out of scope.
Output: 9:12
